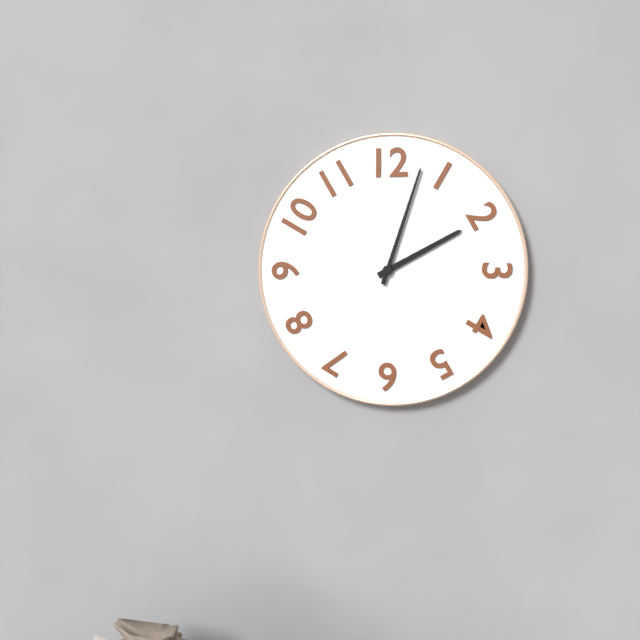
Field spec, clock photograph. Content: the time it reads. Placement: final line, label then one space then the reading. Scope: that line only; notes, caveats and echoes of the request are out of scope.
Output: 2:03
